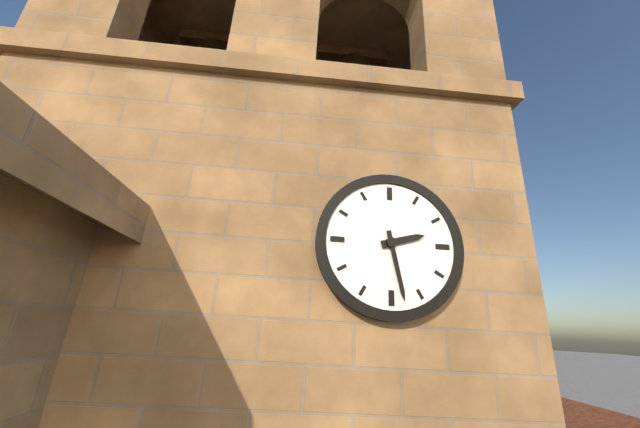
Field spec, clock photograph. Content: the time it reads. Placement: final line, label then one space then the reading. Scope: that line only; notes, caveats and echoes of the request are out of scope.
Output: 2:28
